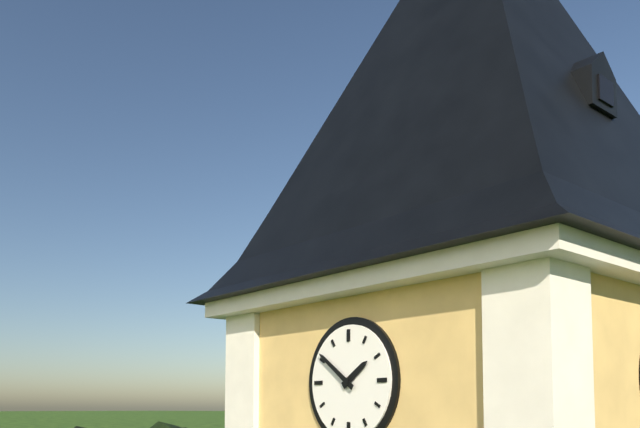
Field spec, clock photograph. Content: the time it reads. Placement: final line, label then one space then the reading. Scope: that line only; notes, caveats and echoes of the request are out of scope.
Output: 1:51
